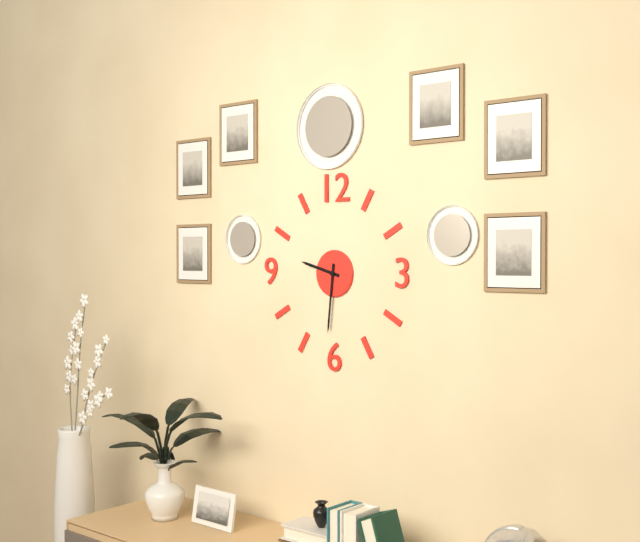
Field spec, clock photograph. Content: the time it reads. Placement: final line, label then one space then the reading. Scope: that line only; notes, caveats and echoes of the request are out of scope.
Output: 9:31
